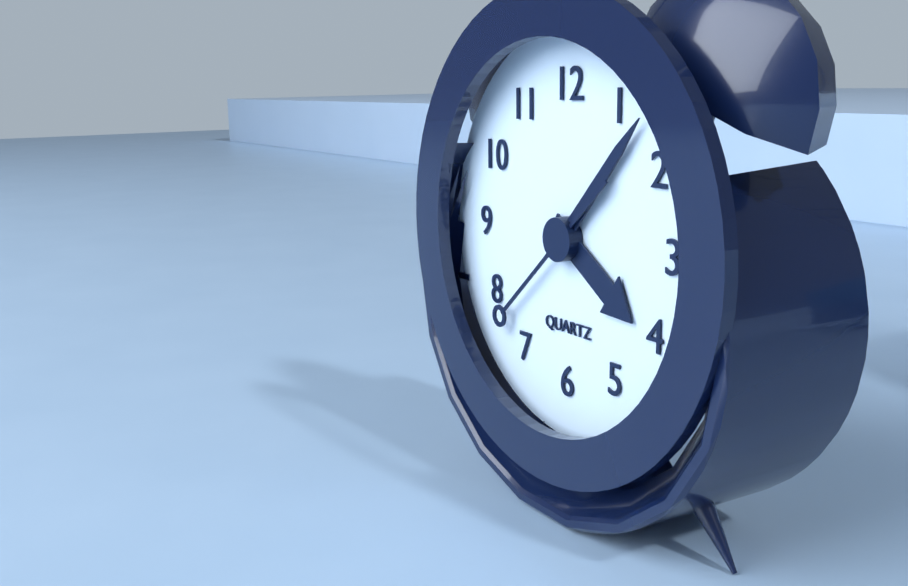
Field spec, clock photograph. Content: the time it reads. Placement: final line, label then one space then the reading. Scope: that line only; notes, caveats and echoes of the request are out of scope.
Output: 4:07:38
